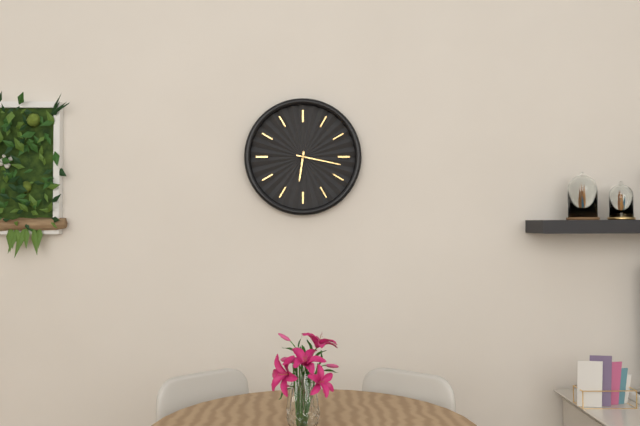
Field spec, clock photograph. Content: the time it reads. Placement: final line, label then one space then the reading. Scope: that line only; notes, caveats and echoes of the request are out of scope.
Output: 6:17
